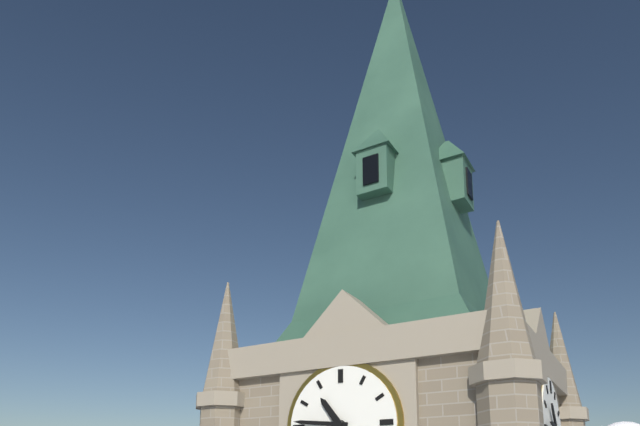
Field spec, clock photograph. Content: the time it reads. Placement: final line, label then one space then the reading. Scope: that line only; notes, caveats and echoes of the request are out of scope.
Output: 10:46
